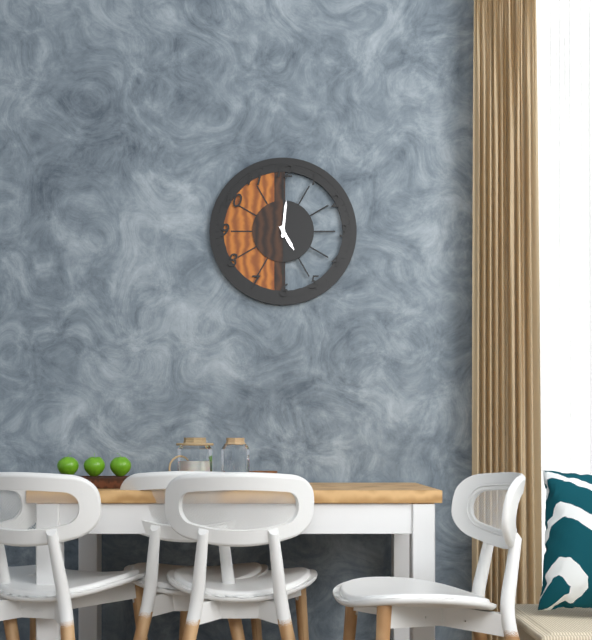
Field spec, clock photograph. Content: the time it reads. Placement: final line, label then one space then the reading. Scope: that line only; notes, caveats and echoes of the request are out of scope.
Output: 5:01
